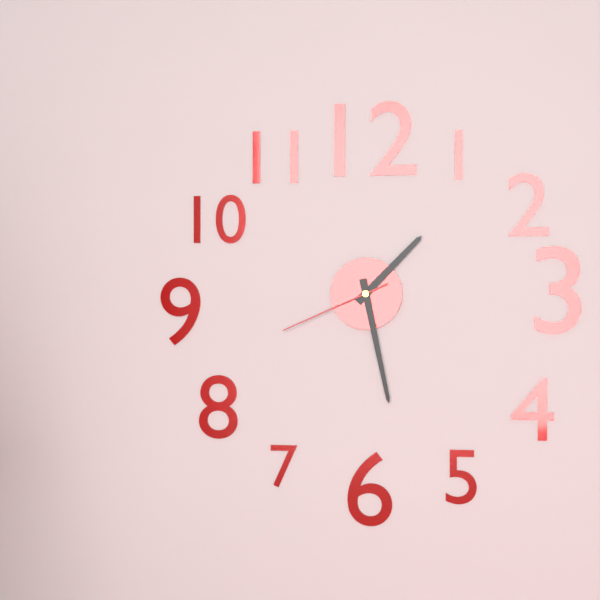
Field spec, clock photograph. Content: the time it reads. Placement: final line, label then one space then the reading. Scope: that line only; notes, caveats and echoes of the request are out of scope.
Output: 1:28:41
